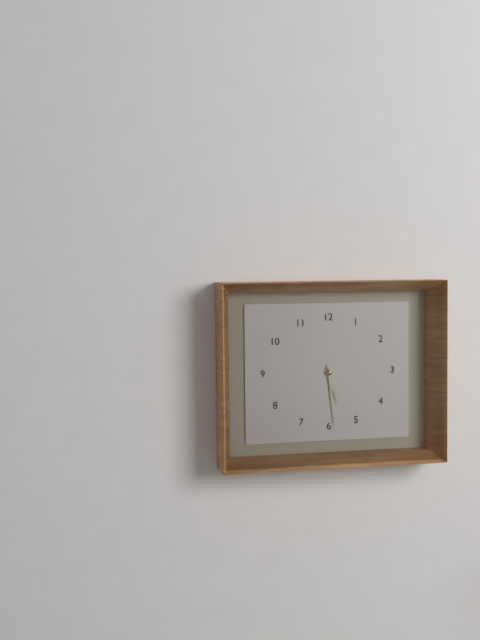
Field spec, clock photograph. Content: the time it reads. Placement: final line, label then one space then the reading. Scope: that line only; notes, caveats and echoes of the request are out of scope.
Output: 5:29
